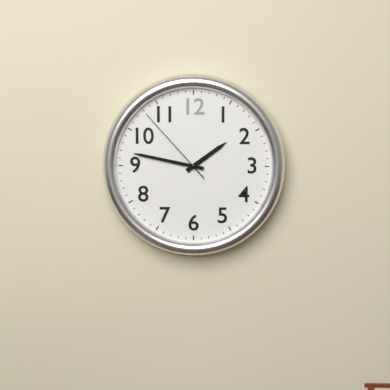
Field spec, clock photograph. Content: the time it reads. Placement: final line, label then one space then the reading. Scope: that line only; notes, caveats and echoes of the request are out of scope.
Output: 1:47:53
